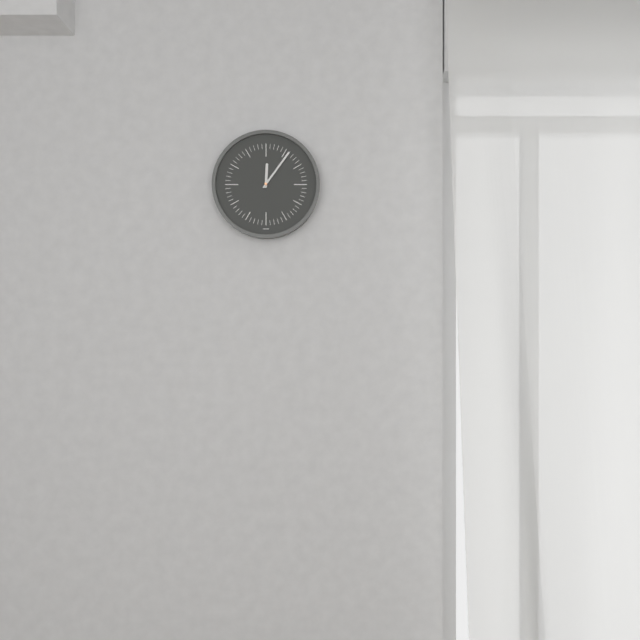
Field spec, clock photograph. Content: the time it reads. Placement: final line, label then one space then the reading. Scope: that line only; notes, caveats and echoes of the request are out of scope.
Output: 12:06
